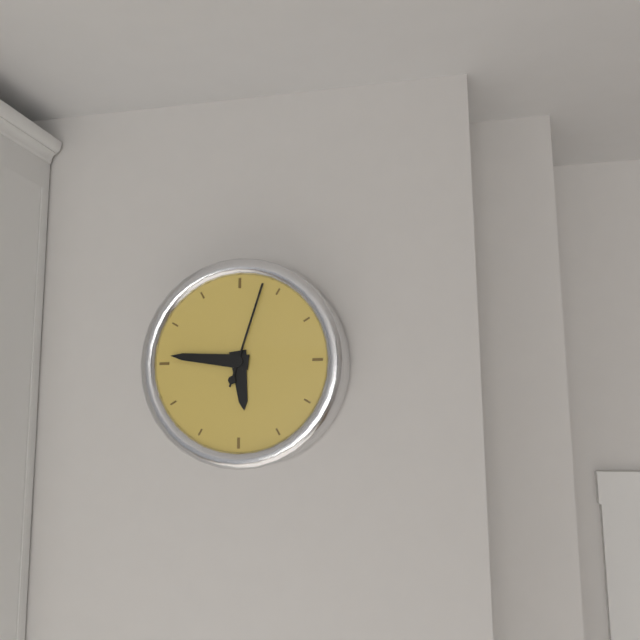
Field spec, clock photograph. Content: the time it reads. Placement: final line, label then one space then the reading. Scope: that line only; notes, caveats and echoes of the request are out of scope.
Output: 5:46:03
